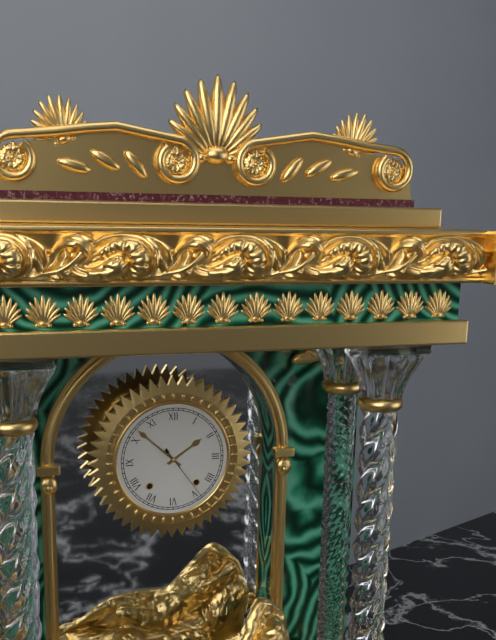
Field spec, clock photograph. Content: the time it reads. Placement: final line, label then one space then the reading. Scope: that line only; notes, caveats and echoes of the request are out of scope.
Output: 1:52:24
